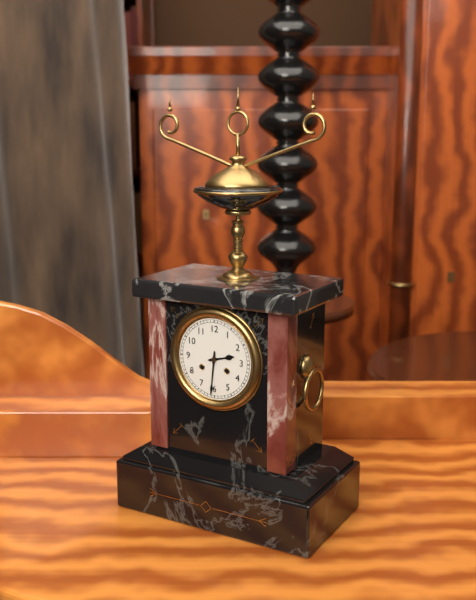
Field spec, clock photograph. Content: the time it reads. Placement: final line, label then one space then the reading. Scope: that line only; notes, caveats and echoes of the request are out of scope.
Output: 2:31
